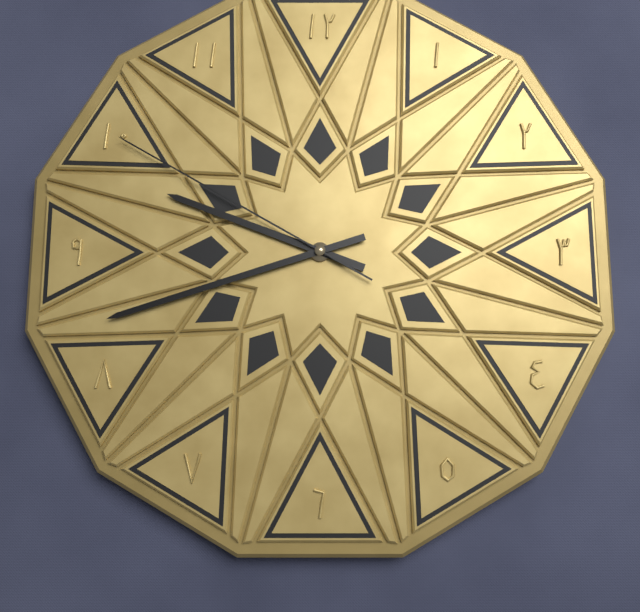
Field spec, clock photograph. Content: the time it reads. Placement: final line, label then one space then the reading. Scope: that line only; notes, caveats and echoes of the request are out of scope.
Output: 9:42:50
